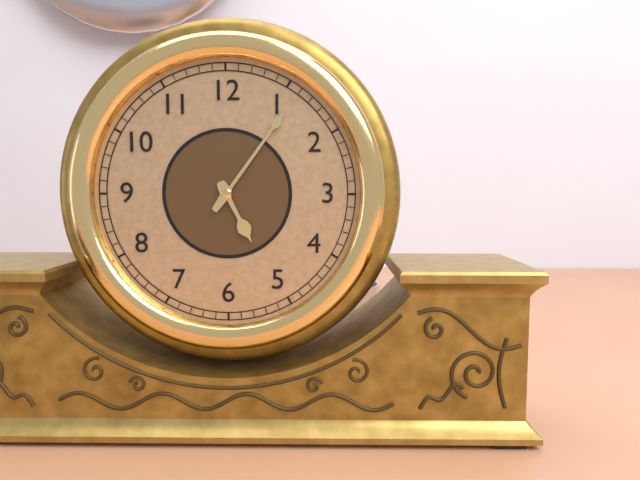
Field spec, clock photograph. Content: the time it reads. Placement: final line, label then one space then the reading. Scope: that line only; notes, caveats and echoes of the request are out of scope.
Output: 5:06
